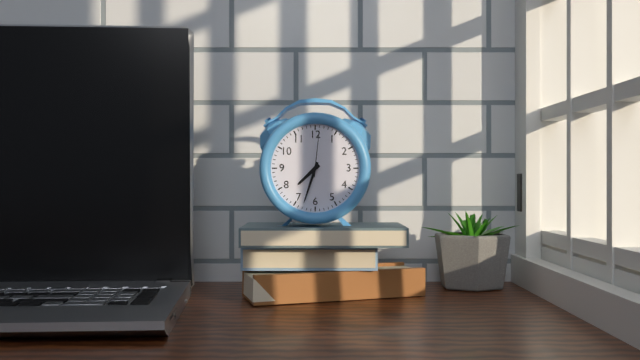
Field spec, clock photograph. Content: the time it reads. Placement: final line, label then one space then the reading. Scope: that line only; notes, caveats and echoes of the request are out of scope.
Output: 7:33
